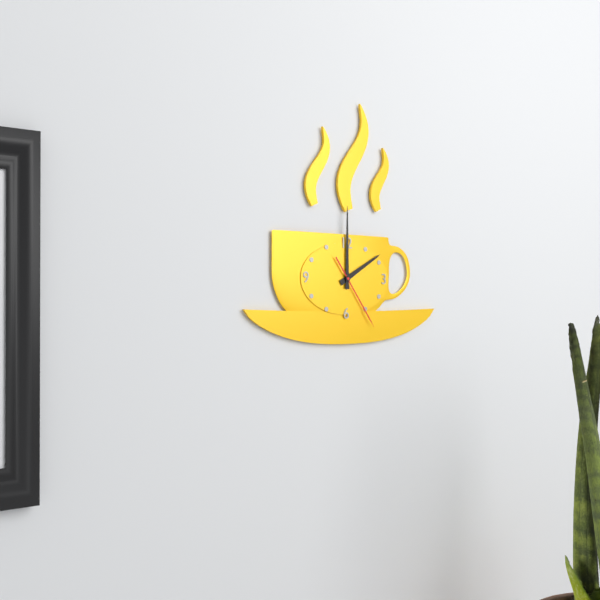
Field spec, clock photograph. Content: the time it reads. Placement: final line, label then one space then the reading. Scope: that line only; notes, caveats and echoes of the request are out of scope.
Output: 2:00:24
